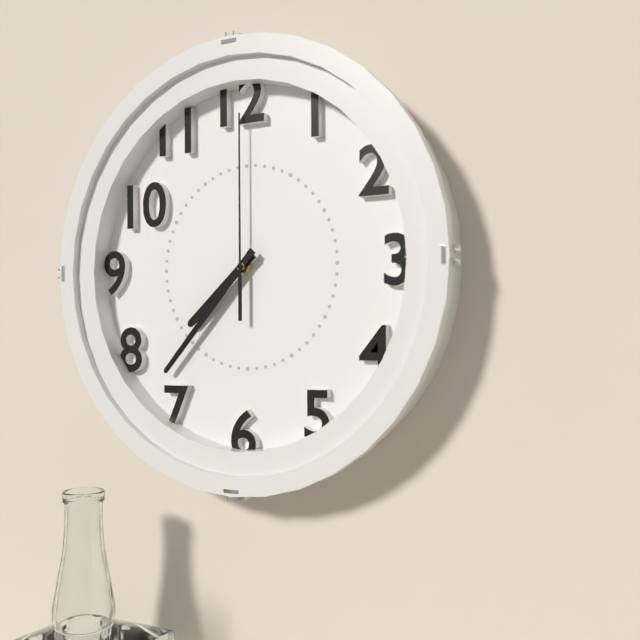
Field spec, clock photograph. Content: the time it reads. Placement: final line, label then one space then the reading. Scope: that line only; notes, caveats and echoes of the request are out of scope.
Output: 7:37:00
